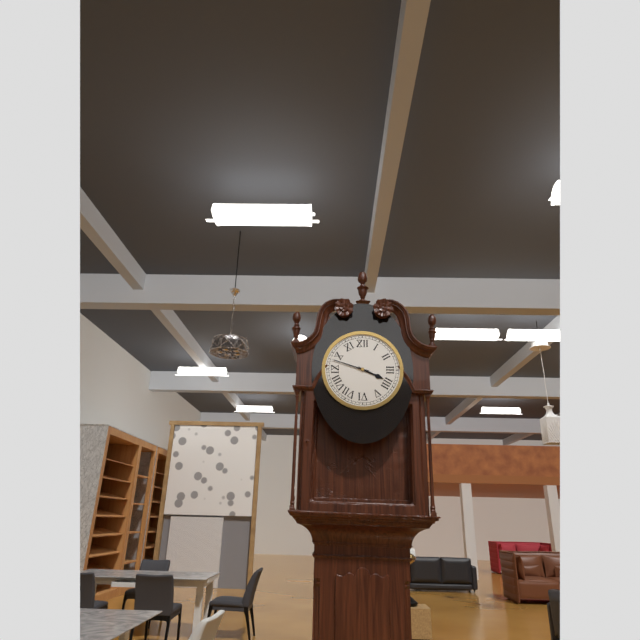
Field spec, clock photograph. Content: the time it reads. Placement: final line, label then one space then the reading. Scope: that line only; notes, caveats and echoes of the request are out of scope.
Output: 3:48
